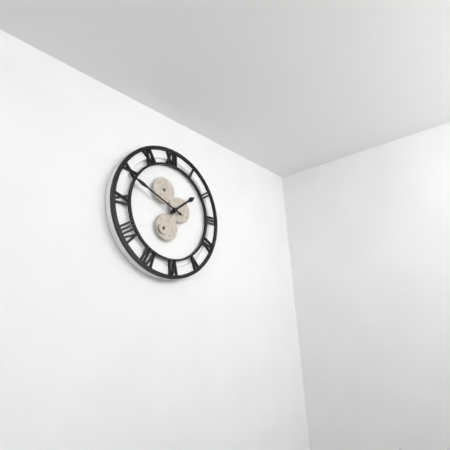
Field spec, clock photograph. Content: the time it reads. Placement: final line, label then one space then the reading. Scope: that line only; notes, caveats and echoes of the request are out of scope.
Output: 1:49
